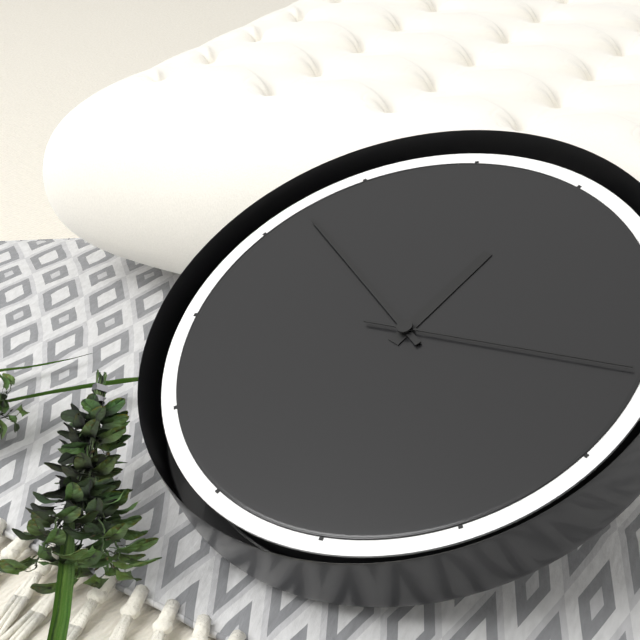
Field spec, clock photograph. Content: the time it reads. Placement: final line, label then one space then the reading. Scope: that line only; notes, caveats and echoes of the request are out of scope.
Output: 12:52:16
